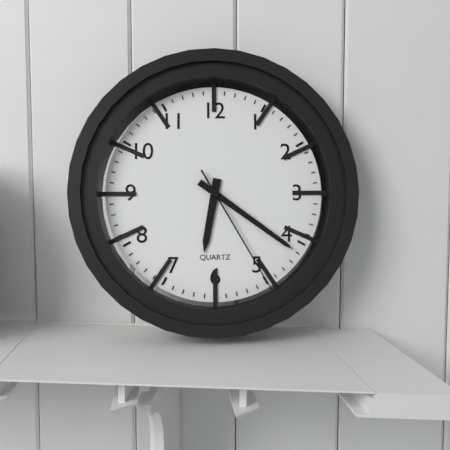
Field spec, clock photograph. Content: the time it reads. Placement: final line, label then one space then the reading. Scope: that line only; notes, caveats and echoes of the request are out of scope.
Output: 6:21:25
